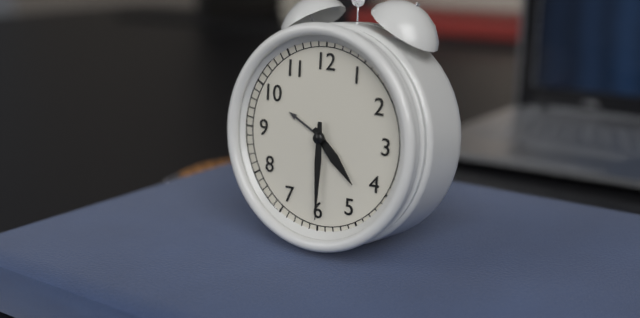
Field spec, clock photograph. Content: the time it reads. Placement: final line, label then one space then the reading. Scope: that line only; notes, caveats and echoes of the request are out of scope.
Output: 4:30
